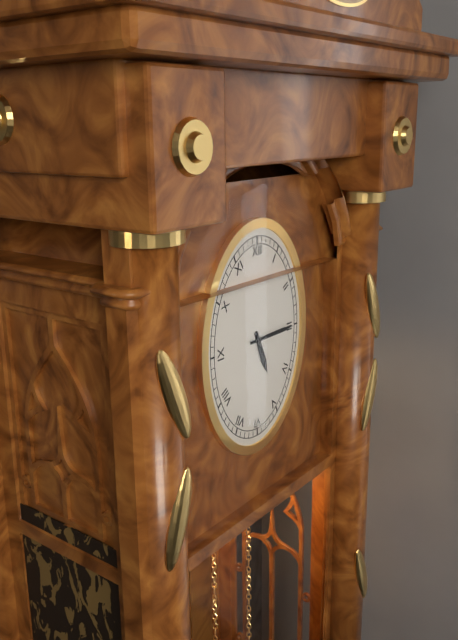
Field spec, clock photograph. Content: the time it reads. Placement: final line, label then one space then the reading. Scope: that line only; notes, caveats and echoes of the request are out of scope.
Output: 5:15
